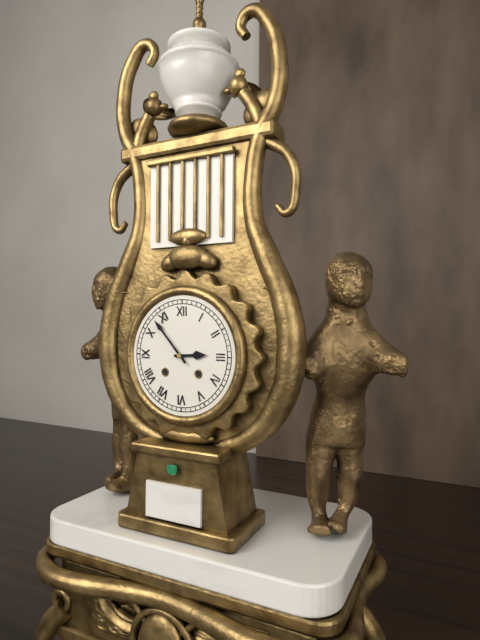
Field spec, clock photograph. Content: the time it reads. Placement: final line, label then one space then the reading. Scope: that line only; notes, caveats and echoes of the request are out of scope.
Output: 2:53
